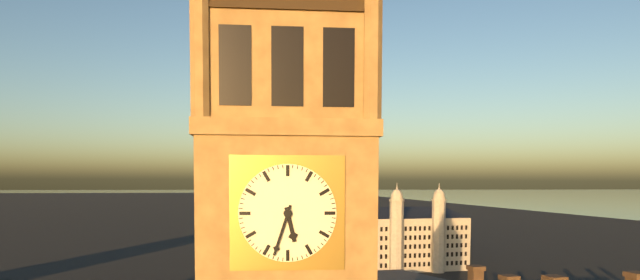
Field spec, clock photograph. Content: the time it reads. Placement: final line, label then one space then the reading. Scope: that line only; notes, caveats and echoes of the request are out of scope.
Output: 5:33
